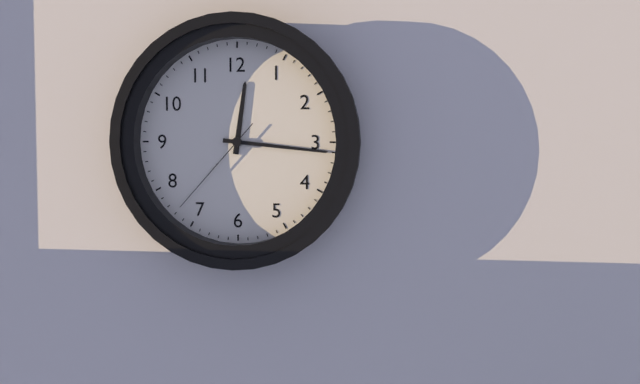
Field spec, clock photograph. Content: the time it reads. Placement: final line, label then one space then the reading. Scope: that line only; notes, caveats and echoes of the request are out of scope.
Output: 12:16:37
